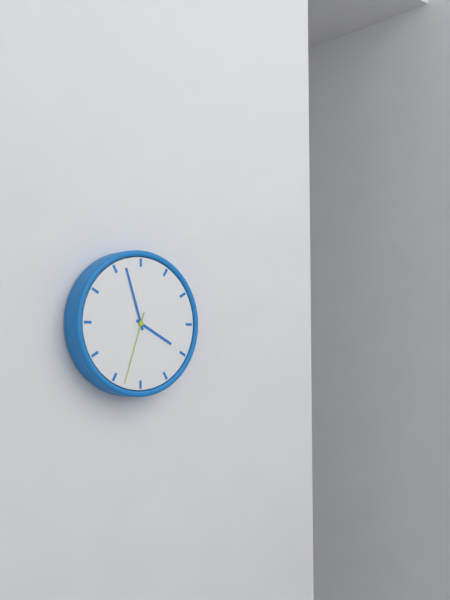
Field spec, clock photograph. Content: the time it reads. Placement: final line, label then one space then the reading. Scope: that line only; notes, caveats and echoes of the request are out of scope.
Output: 3:57:33
